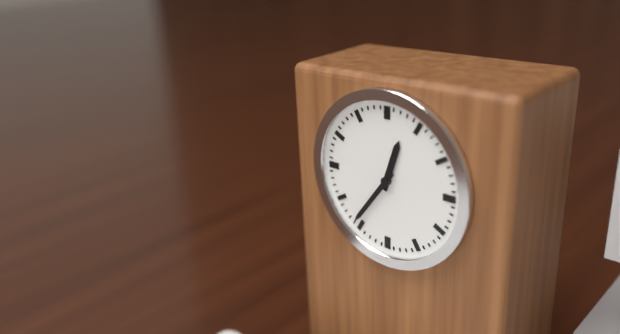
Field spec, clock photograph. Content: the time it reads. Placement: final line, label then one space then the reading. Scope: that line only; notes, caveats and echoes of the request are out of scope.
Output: 12:36
